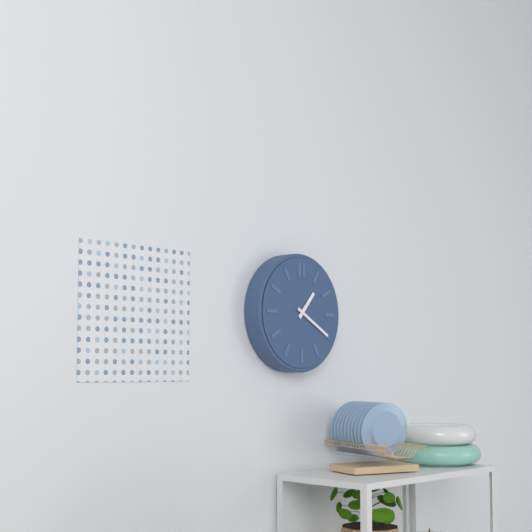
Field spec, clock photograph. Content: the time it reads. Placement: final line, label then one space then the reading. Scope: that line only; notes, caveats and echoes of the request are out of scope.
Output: 1:20
